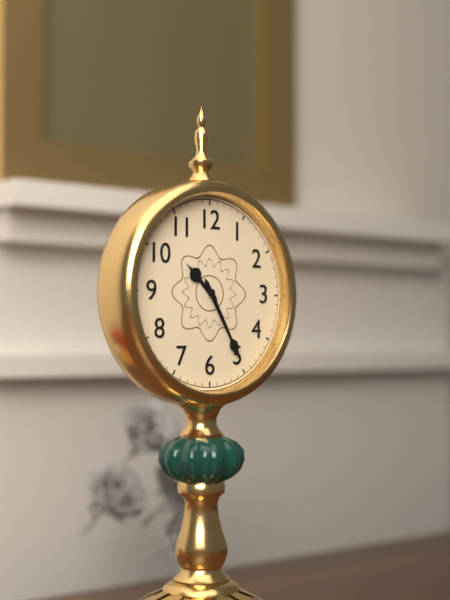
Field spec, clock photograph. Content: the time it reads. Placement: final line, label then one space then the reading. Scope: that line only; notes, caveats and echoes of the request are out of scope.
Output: 10:25
